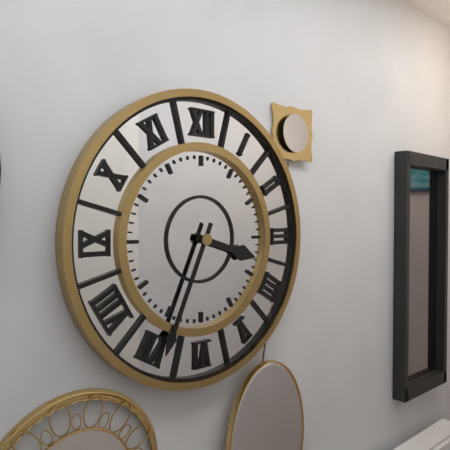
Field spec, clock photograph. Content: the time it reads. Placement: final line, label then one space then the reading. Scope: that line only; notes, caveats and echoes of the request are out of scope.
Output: 3:34
